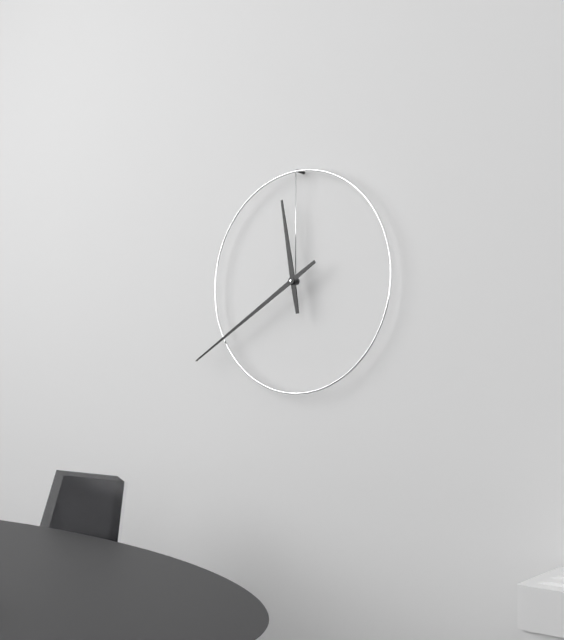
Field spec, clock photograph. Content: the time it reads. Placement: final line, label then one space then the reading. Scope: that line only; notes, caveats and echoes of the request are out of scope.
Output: 11:40
